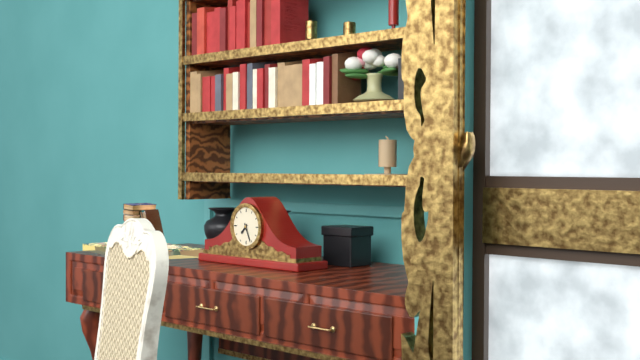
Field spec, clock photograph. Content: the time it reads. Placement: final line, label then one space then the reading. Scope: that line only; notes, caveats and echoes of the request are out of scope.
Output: 7:26
